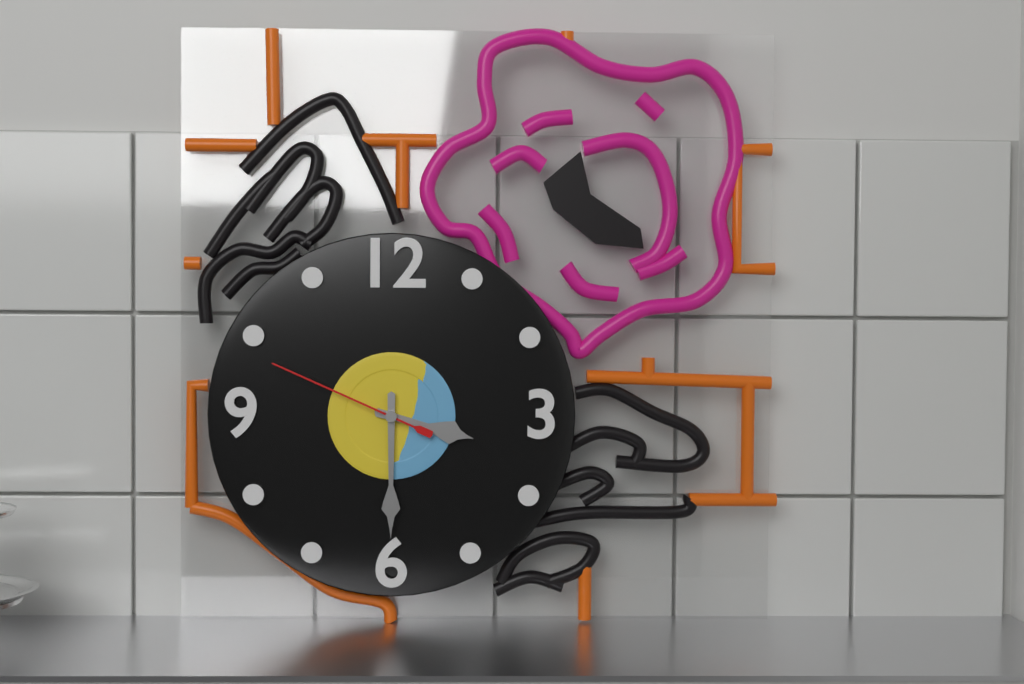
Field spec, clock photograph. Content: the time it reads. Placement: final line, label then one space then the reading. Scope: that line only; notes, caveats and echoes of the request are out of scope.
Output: 3:30:49
